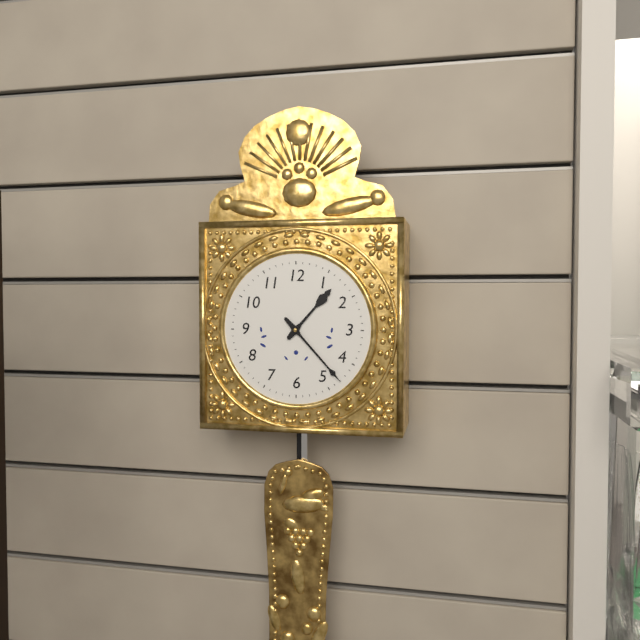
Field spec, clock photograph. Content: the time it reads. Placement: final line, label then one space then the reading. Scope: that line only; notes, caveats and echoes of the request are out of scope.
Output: 1:23
